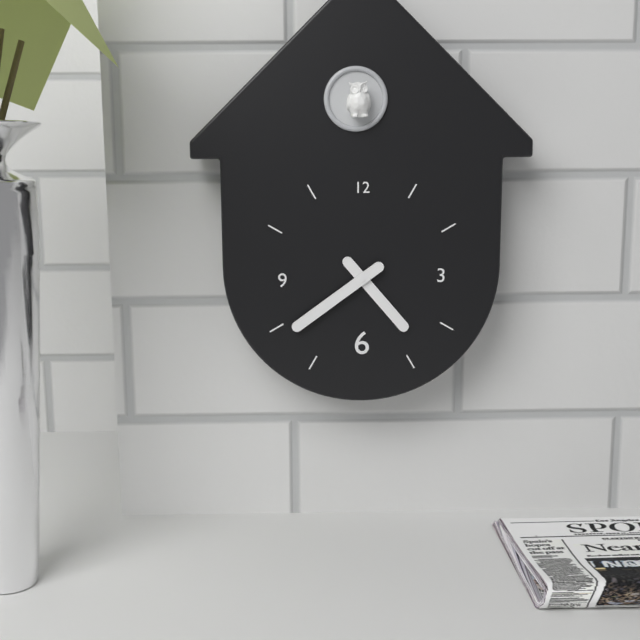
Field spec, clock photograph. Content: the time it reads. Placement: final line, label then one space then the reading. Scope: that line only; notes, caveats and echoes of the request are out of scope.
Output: 4:39
